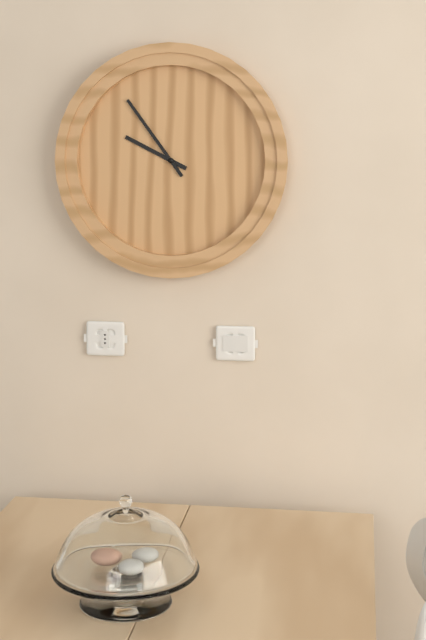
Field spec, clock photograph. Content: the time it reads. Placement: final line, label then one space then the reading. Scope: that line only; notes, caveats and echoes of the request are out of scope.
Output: 9:54
